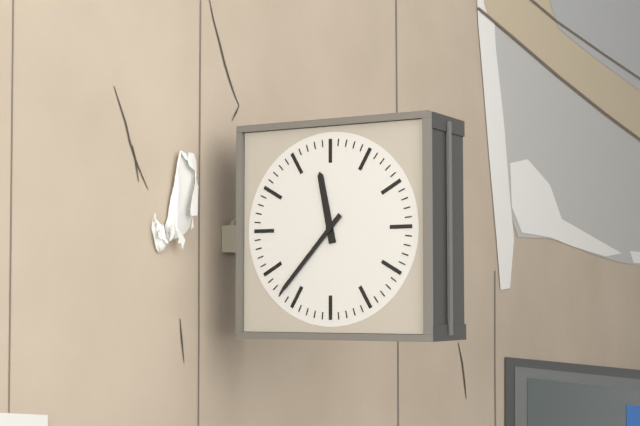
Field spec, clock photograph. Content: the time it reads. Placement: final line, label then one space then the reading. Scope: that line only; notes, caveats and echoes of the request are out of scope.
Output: 11:37
